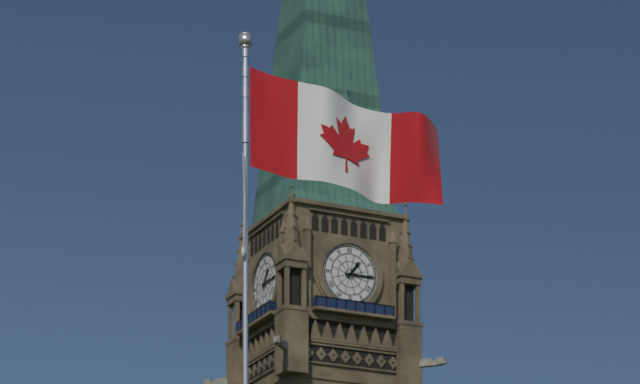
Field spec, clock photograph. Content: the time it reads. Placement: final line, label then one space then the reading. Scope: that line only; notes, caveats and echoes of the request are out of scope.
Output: 1:15
